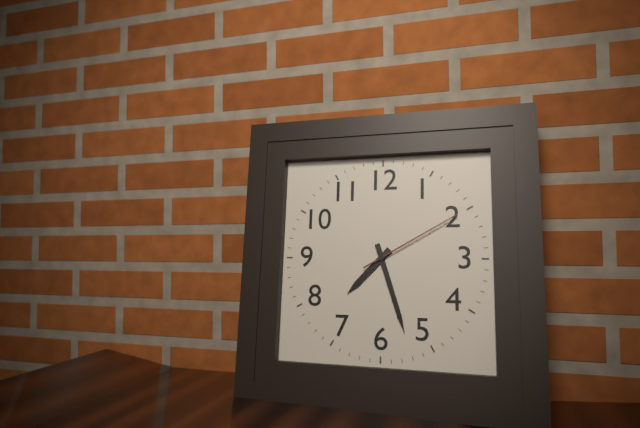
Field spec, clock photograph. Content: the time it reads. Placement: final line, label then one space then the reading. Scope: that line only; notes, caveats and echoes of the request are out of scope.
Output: 7:27:10
